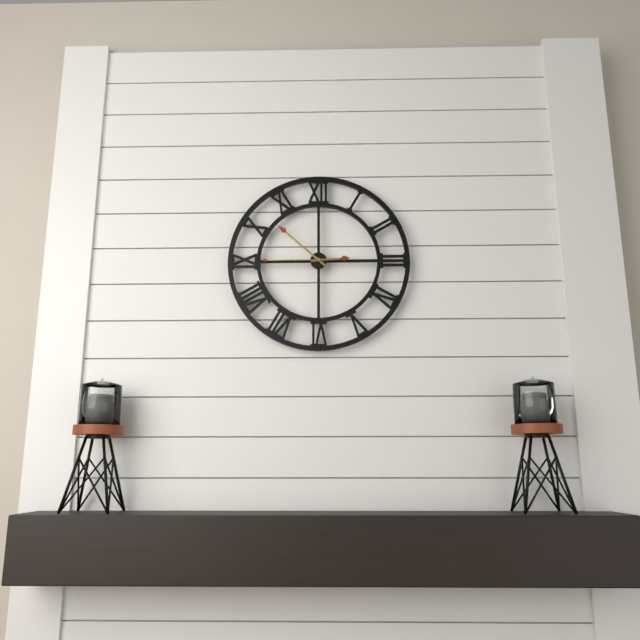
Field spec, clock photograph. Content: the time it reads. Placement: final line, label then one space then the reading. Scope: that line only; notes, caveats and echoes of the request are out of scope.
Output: 2:52:45
